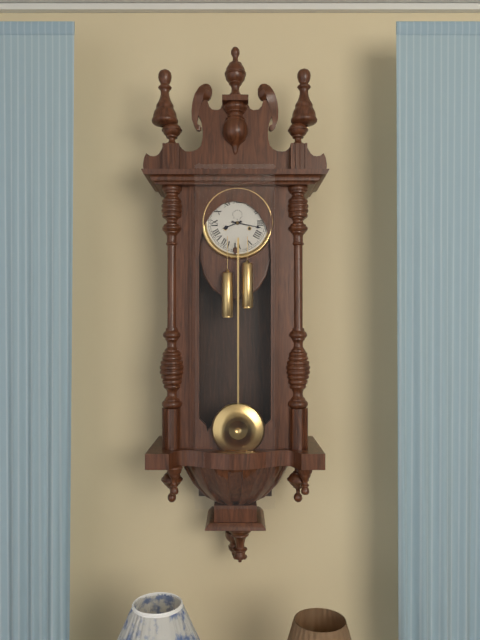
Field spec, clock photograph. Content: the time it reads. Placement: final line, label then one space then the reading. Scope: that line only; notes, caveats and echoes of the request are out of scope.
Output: 8:17
